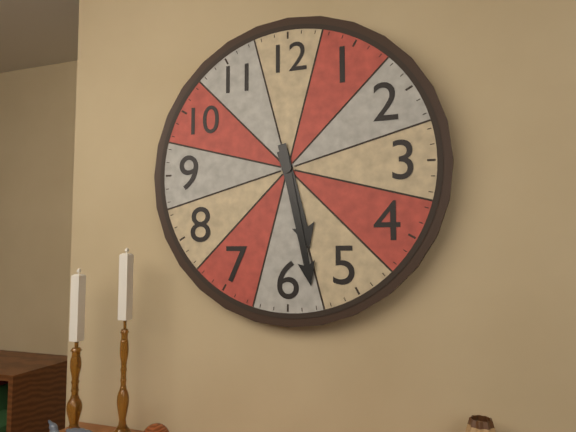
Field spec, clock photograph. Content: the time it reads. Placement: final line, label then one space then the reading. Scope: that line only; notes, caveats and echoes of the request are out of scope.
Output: 5:28
